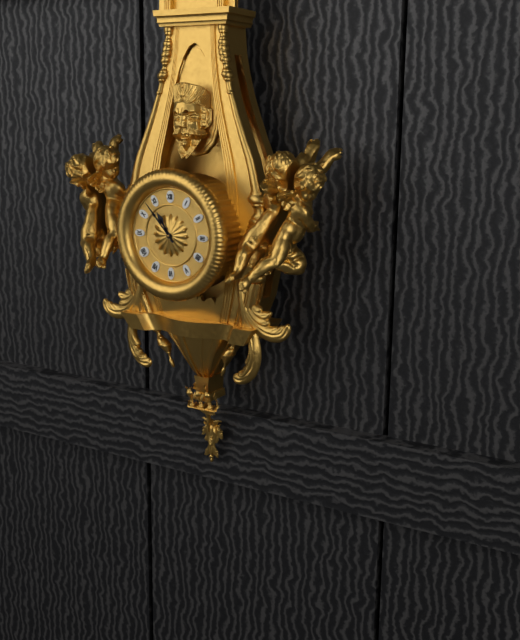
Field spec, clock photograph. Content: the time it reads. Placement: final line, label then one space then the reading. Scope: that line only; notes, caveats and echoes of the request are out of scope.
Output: 10:53
